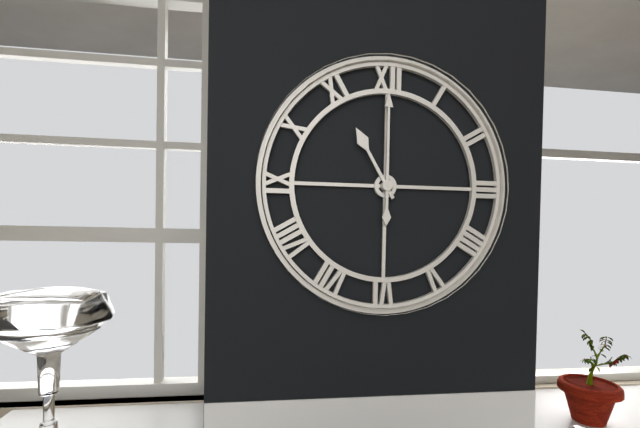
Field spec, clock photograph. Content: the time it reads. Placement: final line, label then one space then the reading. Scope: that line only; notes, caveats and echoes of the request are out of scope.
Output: 11:00
